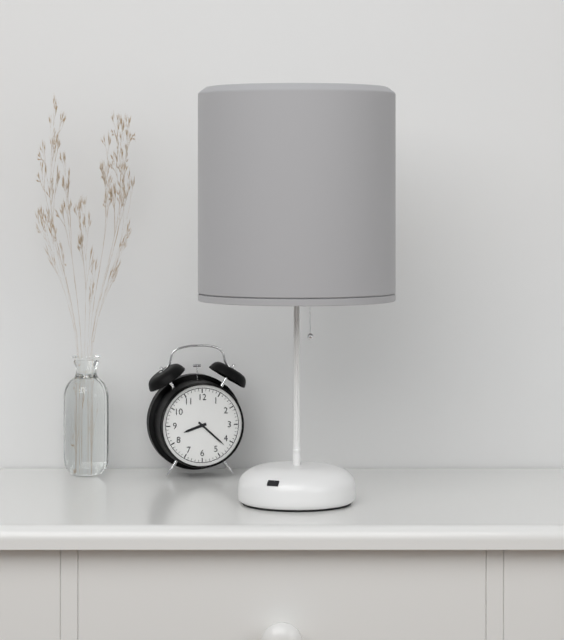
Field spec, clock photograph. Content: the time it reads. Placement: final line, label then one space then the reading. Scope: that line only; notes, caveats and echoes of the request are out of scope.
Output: 8:22
